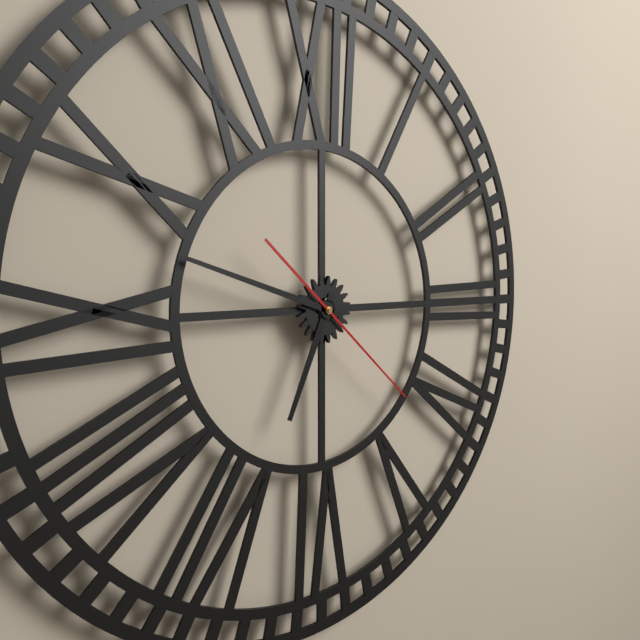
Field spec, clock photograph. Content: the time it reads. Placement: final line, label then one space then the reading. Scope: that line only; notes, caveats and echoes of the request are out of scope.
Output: 6:48:22
